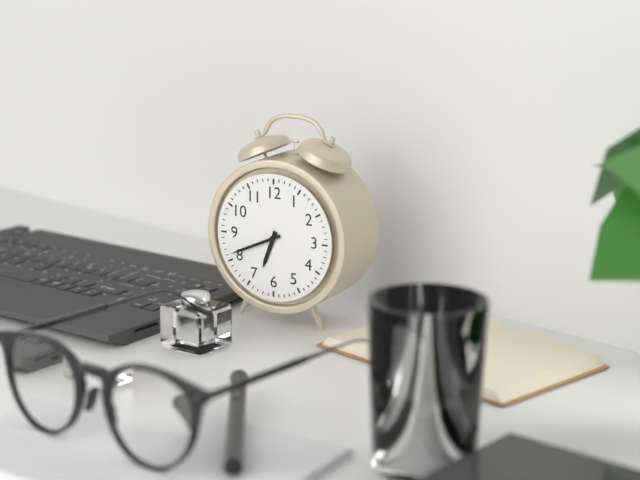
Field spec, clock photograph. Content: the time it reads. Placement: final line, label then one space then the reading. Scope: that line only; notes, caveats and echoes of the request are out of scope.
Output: 6:41
